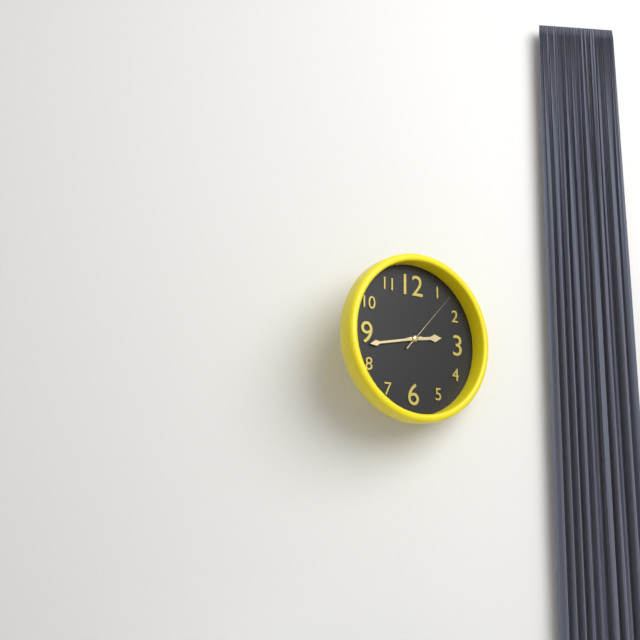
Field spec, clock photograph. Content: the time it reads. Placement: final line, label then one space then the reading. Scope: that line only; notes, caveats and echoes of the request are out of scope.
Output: 2:43:07
